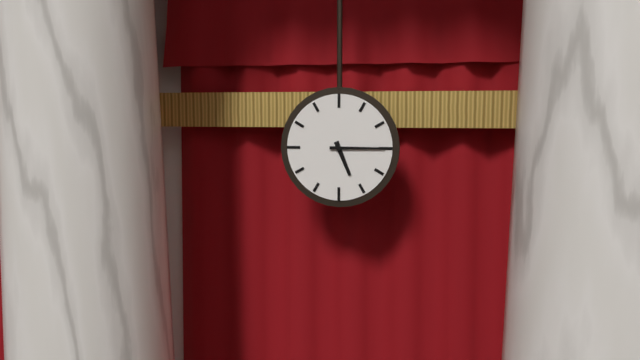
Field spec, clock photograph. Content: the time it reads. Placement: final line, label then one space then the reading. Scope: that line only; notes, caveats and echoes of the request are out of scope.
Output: 5:15
